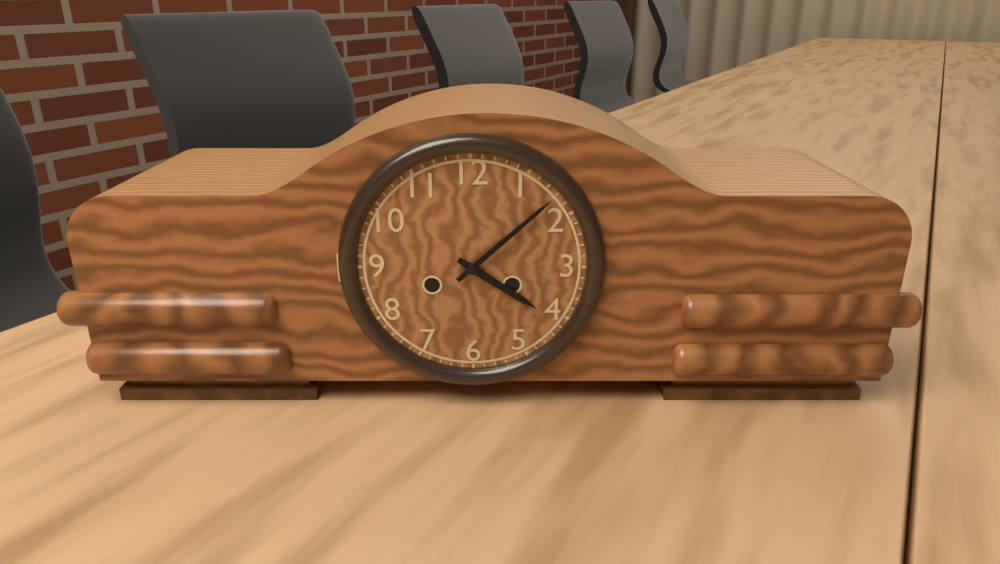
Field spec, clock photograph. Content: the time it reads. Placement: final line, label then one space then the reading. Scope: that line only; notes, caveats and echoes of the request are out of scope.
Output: 4:08
